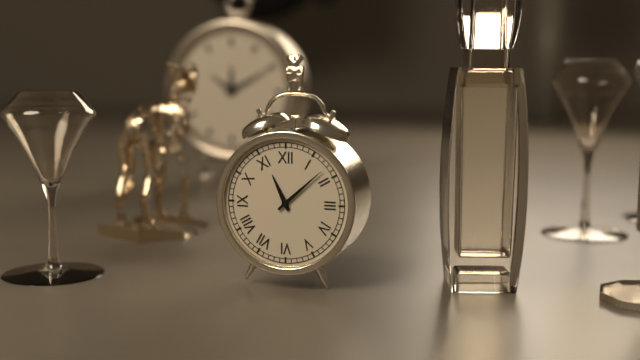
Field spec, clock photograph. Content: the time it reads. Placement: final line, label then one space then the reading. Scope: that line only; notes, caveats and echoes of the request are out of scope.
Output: 11:08
